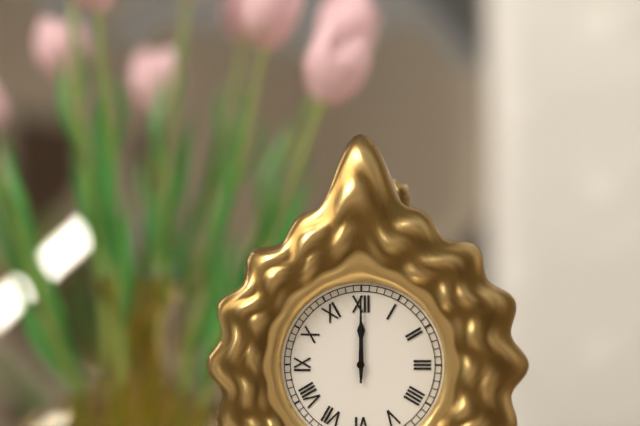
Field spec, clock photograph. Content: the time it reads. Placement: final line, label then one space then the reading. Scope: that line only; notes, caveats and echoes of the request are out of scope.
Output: 12:00
